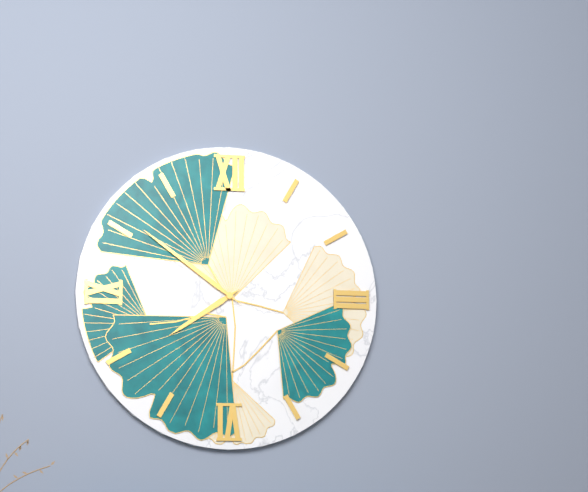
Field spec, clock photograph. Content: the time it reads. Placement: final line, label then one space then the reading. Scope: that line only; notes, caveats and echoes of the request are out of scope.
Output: 7:51
